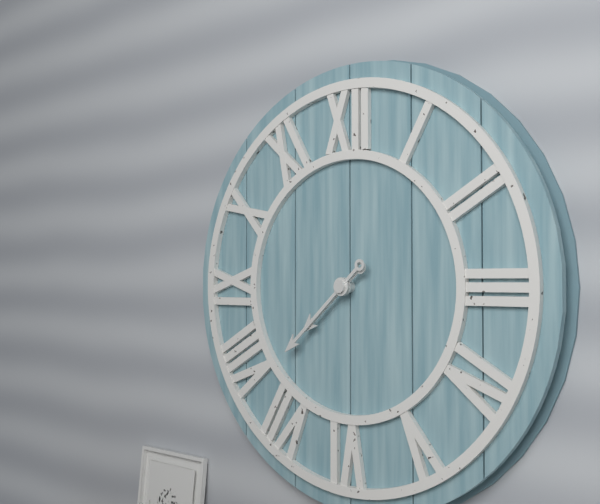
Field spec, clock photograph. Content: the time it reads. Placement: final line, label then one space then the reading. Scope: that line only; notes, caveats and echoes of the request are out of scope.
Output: 7:38
